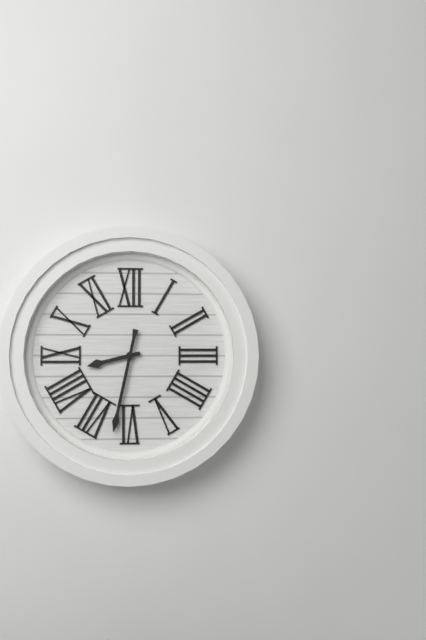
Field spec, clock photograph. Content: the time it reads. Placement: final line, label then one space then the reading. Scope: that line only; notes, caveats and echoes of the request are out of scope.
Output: 8:32
